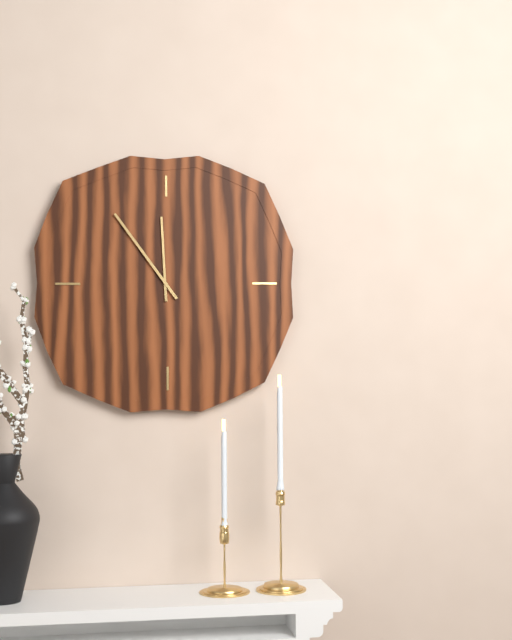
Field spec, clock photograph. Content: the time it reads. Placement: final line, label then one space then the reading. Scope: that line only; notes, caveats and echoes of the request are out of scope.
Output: 11:54
